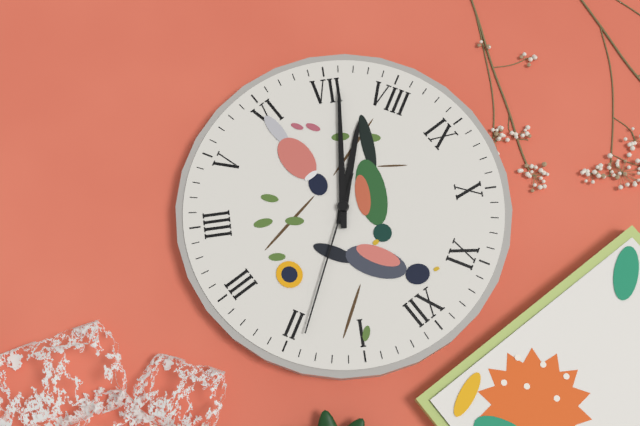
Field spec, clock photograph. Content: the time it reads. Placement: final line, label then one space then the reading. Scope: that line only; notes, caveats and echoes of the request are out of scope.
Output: 7:36:09
